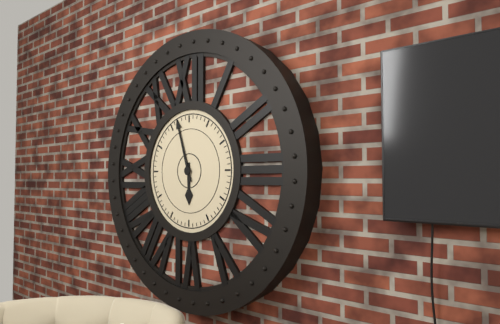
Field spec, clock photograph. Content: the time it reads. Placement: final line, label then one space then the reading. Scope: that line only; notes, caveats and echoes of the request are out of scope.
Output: 5:57
